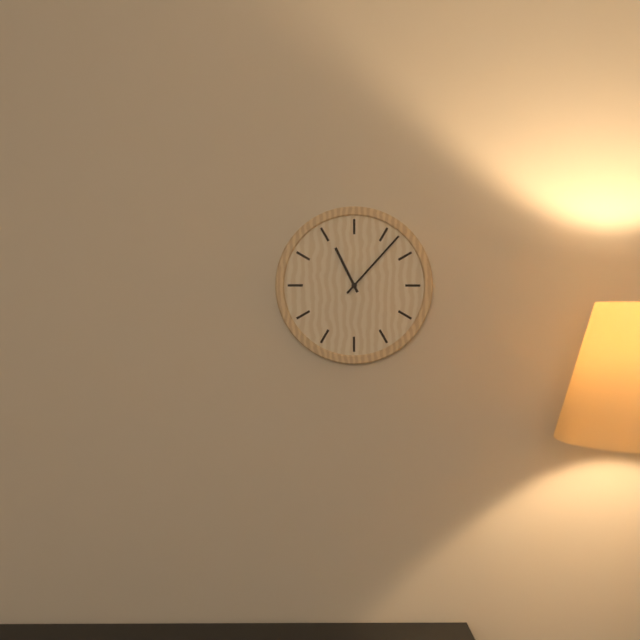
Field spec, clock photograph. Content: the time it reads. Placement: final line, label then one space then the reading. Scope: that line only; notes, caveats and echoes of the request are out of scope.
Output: 11:07
